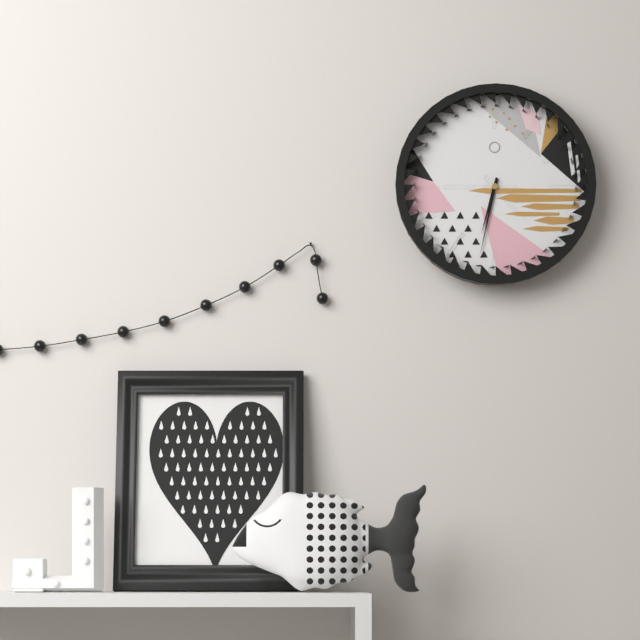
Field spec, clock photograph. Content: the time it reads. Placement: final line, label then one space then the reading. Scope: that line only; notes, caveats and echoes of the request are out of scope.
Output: 6:32
